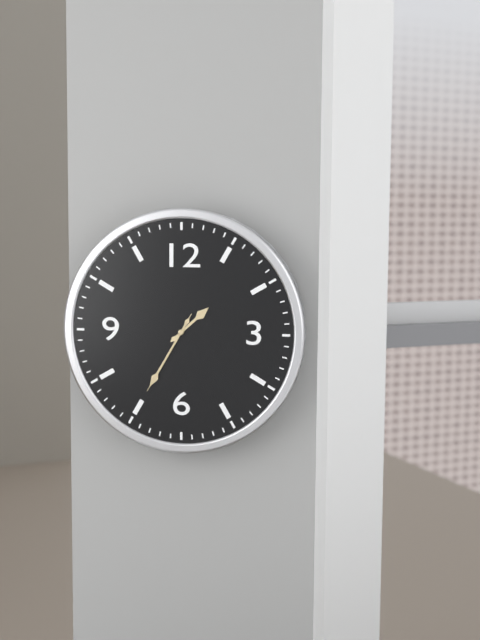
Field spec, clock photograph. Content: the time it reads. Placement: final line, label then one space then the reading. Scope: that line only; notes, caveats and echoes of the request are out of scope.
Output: 1:35:35
